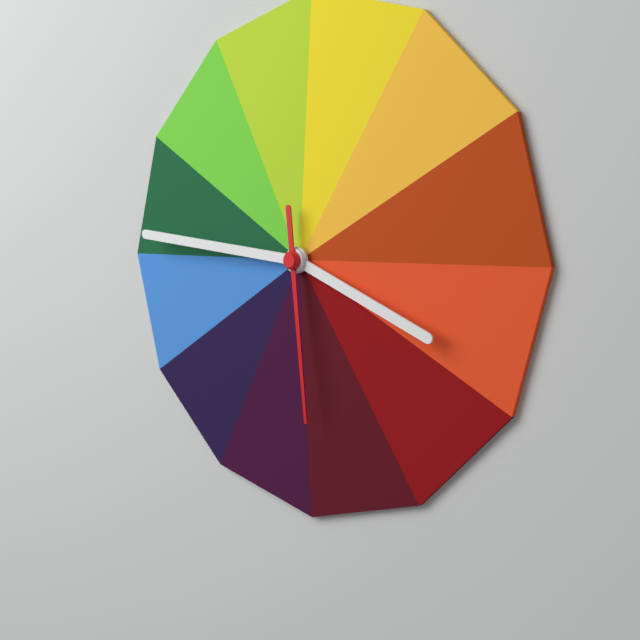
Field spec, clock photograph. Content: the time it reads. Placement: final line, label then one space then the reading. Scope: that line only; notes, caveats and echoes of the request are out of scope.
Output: 3:46:29
